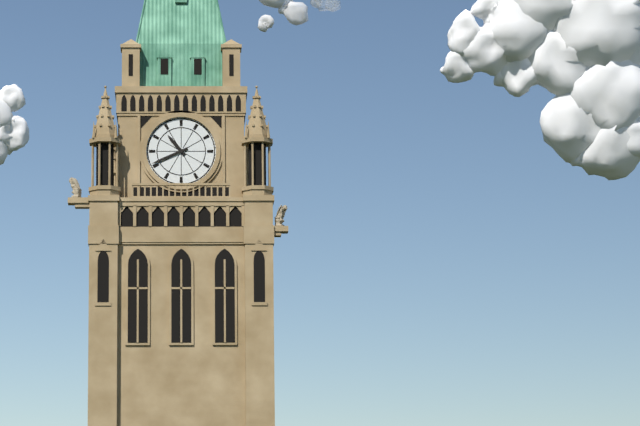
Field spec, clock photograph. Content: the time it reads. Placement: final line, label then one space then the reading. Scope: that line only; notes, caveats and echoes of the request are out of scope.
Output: 10:41
